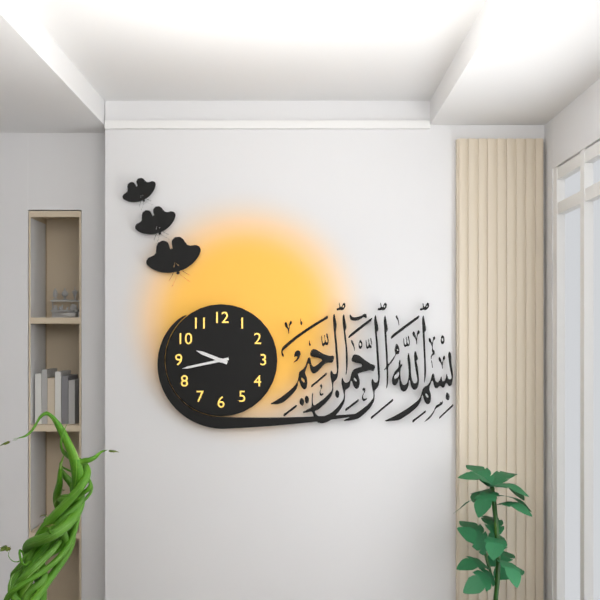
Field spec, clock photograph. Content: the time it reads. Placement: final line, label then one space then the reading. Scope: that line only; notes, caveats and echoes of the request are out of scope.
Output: 9:43
